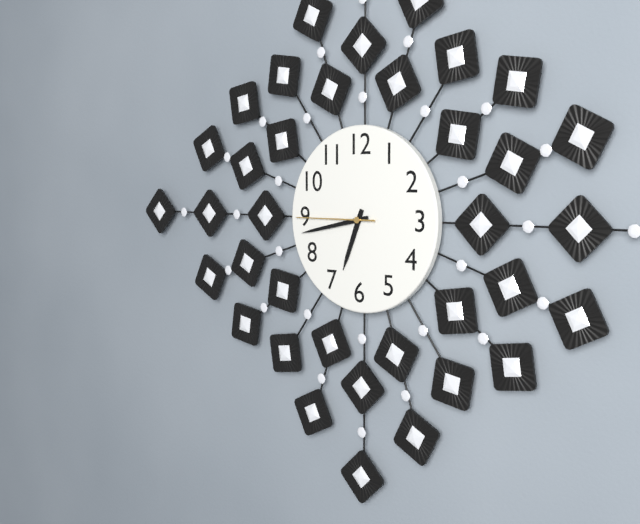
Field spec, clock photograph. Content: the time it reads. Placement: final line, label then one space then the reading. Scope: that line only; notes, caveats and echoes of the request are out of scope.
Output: 6:43:45
